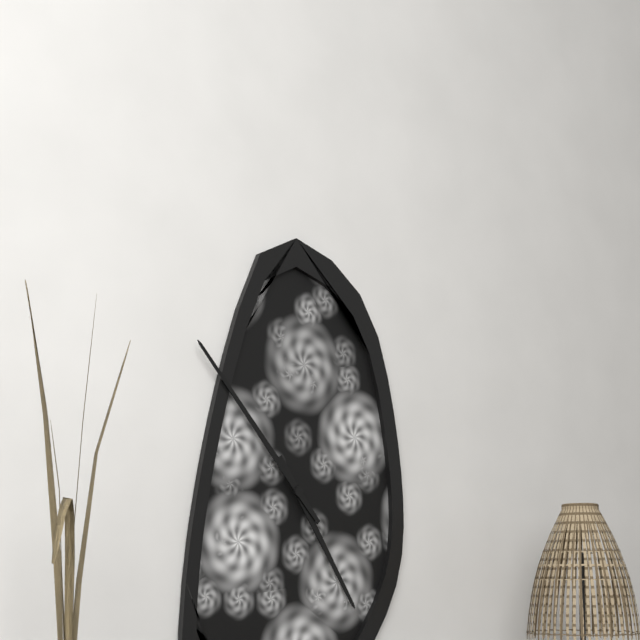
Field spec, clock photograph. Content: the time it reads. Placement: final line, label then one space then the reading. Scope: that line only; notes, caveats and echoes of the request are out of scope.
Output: 4:53
